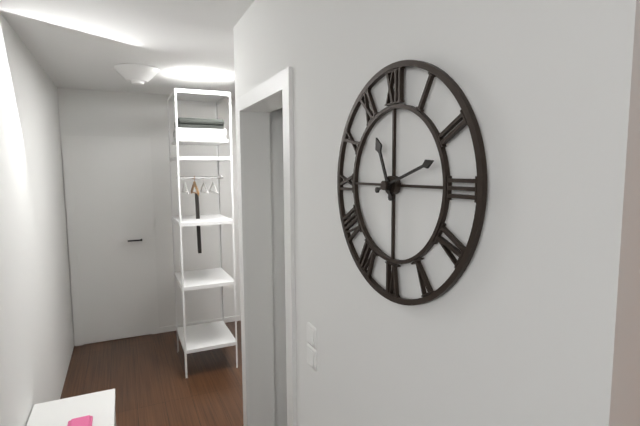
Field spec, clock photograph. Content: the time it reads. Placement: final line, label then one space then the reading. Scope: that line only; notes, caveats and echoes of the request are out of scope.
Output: 11:12
